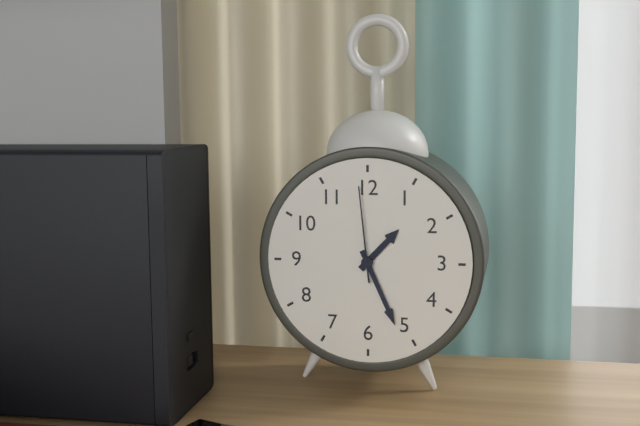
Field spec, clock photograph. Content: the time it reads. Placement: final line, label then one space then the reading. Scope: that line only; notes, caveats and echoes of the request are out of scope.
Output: 1:26:59
